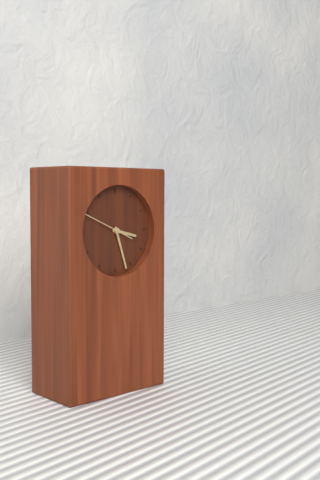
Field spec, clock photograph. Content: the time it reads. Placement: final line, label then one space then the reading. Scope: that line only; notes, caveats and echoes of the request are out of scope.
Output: 3:27
